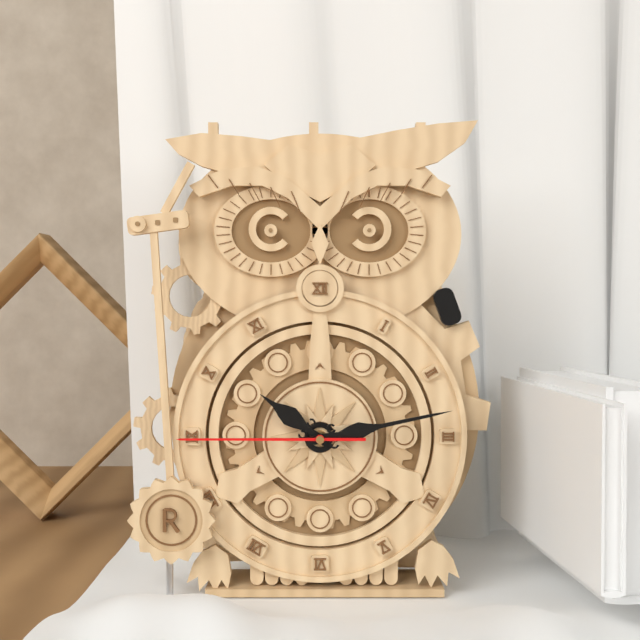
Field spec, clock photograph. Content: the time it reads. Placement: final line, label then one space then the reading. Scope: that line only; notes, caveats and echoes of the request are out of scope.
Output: 10:13:45
